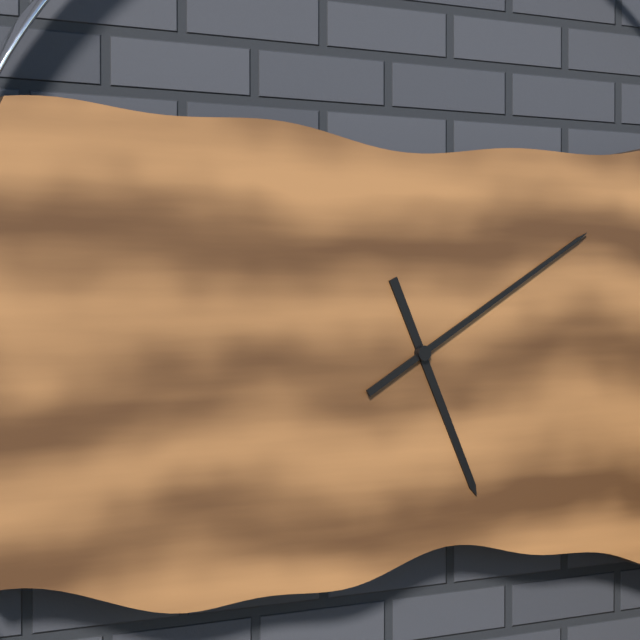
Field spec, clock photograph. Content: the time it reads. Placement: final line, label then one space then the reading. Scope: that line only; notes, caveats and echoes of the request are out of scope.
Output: 5:10
